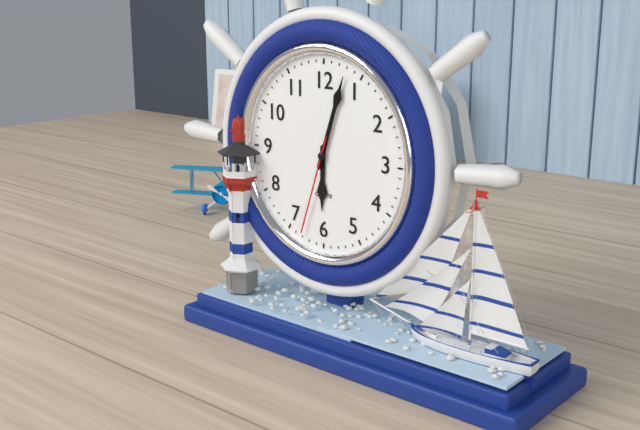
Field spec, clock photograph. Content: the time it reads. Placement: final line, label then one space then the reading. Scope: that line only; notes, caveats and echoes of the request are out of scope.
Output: 6:03:33
